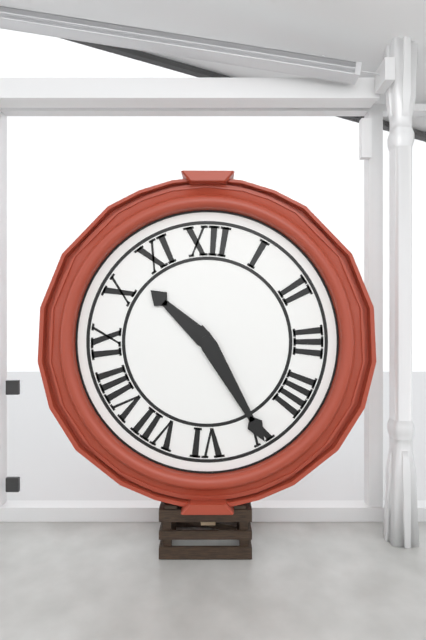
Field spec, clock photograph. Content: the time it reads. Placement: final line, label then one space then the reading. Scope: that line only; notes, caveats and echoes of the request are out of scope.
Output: 10:25
